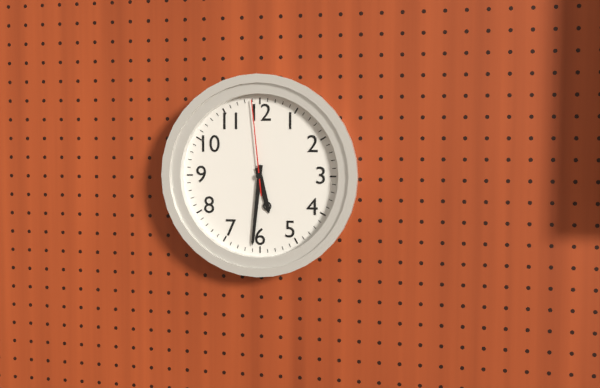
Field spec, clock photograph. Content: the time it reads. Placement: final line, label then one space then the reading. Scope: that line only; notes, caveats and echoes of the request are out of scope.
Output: 5:31:59
